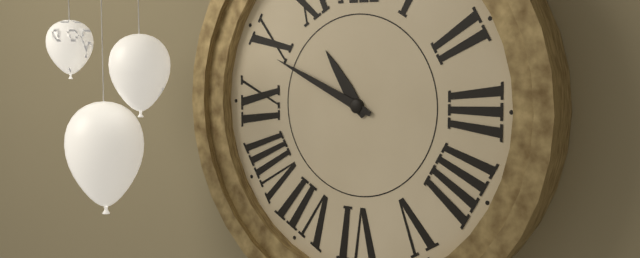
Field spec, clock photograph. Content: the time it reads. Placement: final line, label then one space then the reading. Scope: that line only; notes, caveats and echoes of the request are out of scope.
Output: 10:49
